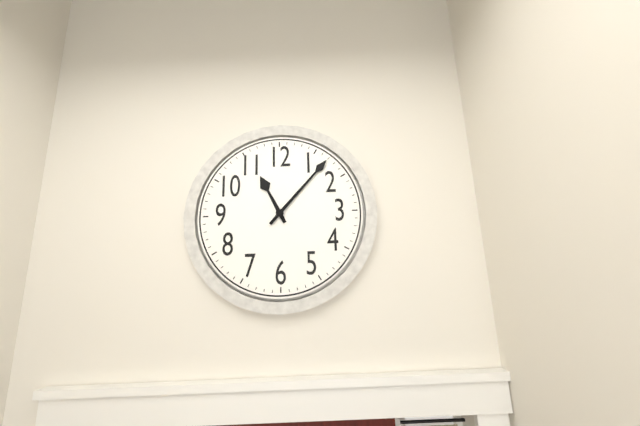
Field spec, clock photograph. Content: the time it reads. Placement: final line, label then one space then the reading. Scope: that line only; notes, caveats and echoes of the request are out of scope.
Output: 11:07
